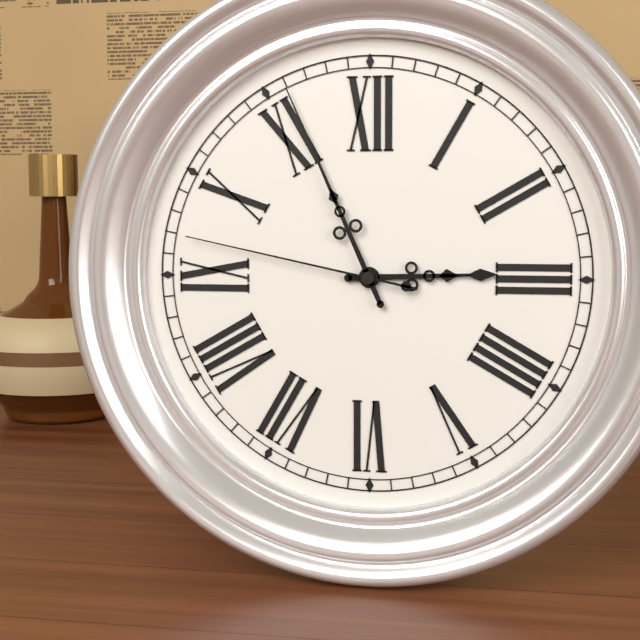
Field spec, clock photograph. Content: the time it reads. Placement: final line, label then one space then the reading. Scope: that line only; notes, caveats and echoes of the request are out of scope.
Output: 2:56:47
